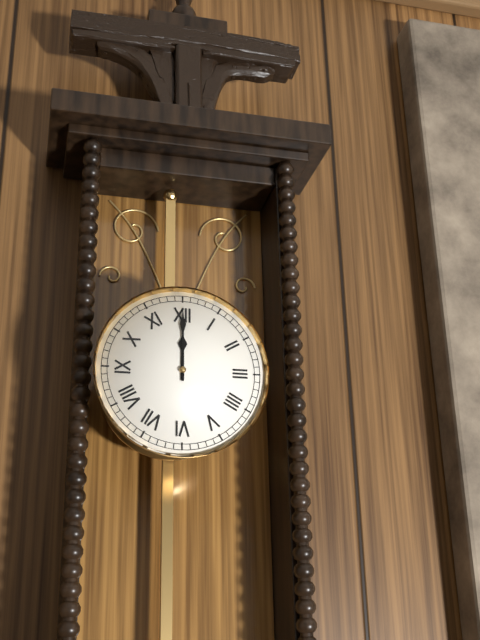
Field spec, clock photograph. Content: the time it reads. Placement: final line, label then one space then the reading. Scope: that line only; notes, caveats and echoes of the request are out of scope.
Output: 12:00
